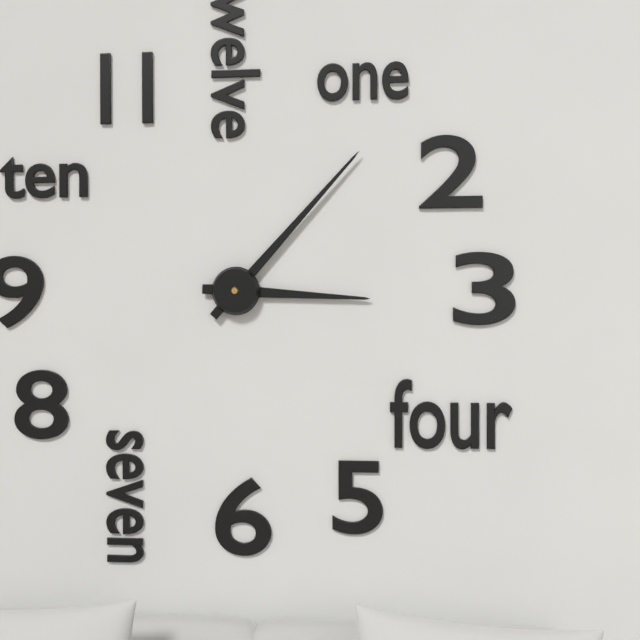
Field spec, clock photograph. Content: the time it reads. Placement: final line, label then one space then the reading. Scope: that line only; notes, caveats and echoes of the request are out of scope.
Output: 3:07
